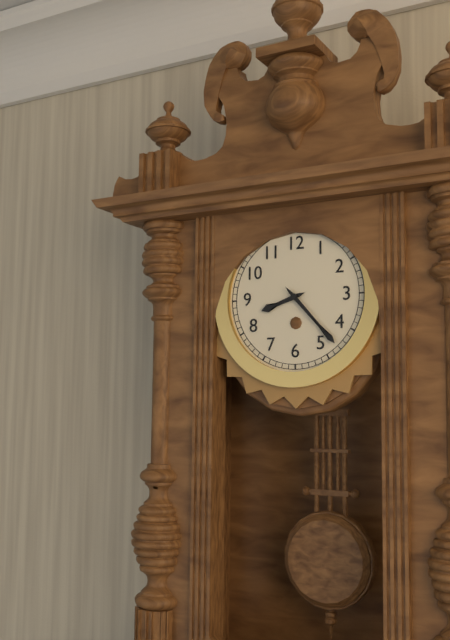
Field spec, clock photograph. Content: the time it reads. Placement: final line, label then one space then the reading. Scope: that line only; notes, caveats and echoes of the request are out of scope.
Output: 8:23
